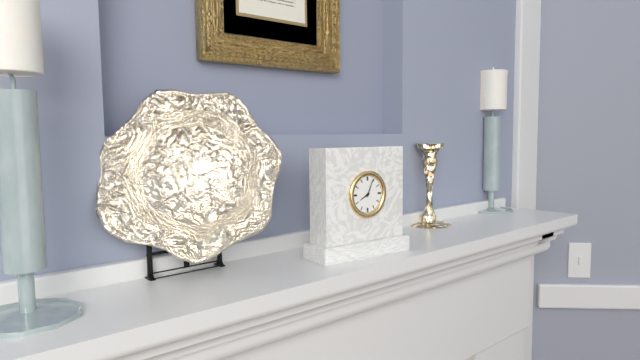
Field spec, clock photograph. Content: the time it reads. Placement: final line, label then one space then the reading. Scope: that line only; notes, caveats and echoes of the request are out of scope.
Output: 8:04
